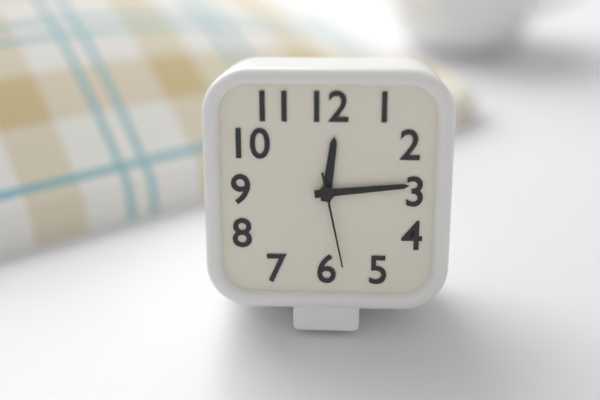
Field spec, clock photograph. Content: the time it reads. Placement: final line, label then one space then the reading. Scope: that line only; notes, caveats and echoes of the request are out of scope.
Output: 12:14:28
